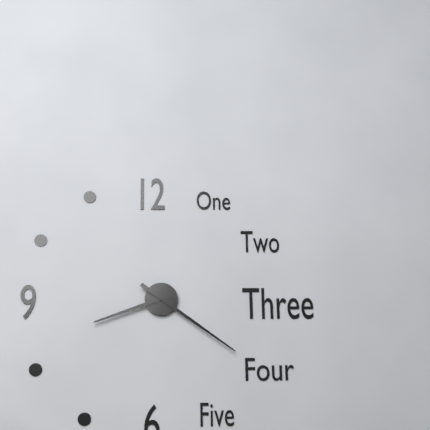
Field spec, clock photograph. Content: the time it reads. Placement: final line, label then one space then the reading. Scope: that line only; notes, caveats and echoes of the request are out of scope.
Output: 8:21
